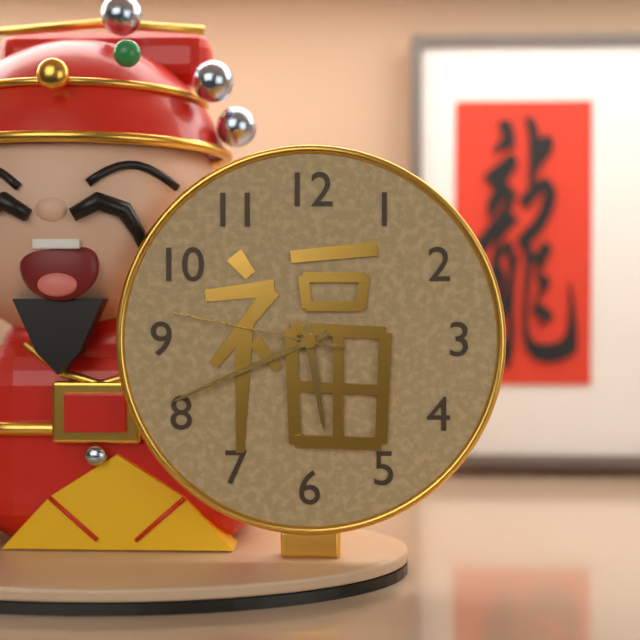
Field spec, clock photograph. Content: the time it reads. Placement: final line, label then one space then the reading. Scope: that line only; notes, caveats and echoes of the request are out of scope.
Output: 5:41:47
